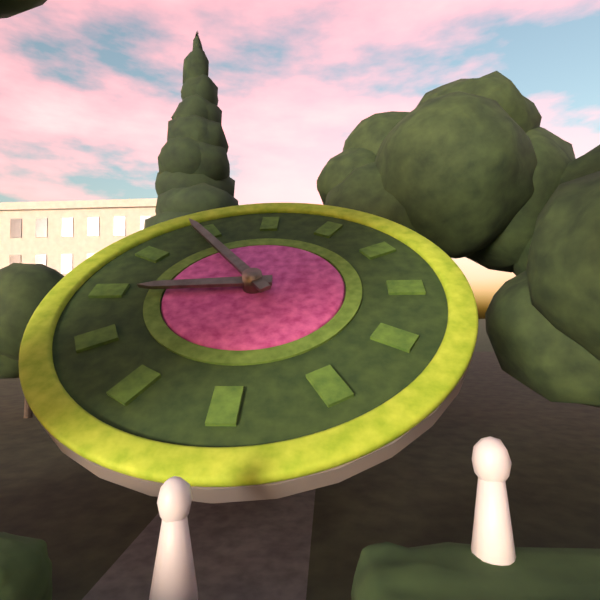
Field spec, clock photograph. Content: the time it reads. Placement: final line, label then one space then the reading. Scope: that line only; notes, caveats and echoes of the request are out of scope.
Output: 8:54
